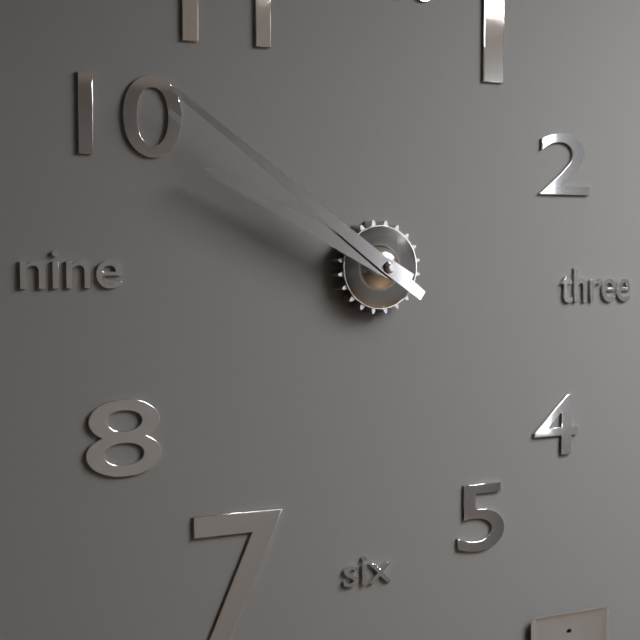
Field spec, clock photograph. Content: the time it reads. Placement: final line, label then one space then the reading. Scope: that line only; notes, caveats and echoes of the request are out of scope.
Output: 9:51
